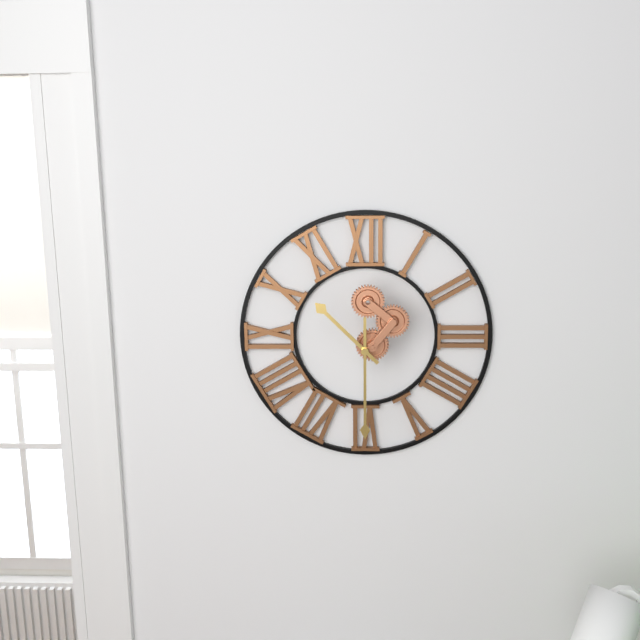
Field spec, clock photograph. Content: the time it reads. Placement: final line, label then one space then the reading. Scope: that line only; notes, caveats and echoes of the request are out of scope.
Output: 10:30
